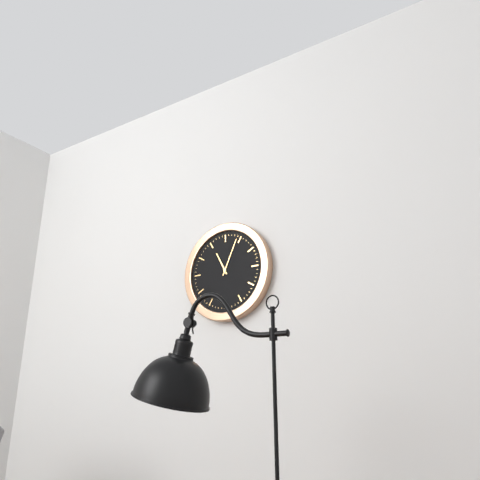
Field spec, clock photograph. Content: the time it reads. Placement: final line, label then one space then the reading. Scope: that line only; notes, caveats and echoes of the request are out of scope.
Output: 11:04
